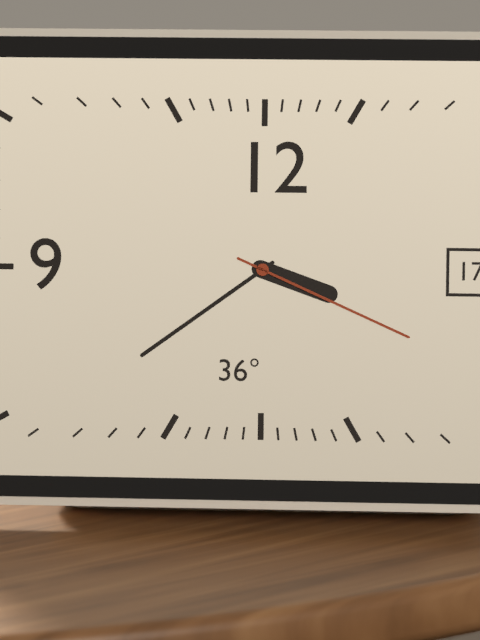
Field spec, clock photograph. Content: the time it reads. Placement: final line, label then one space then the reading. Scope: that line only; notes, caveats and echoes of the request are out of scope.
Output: 3:39:19
